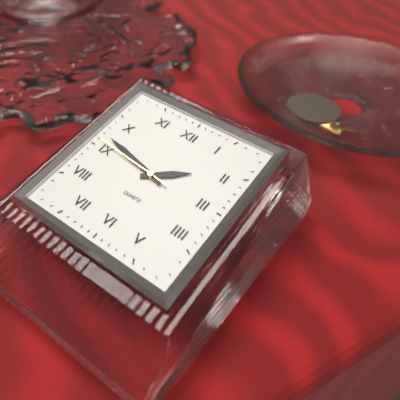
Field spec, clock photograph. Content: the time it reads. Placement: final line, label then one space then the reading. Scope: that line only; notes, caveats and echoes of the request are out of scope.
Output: 1:47:46
